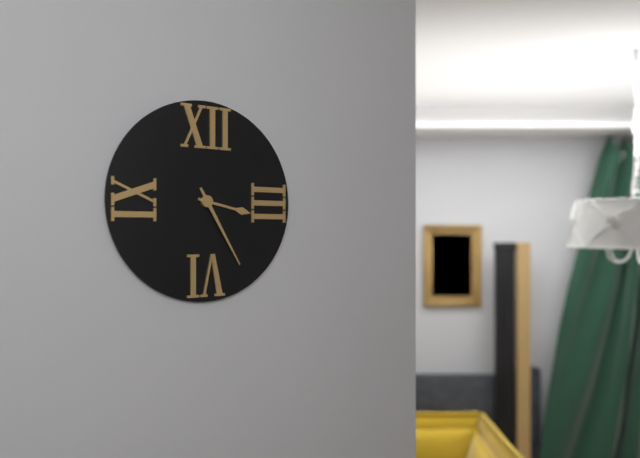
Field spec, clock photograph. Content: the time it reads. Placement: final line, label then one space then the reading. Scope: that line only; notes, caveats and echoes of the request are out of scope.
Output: 3:25
